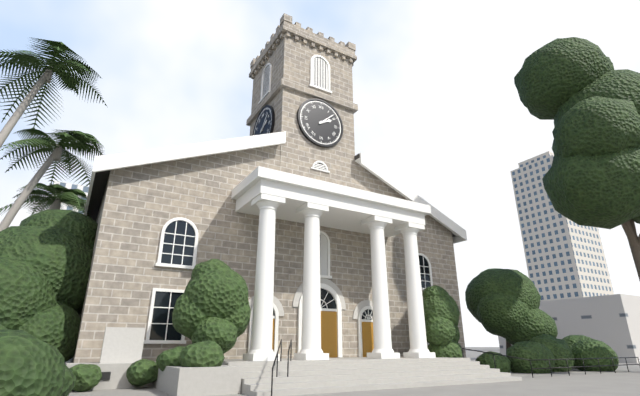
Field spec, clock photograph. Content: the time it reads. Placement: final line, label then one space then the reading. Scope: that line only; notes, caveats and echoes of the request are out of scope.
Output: 2:08
